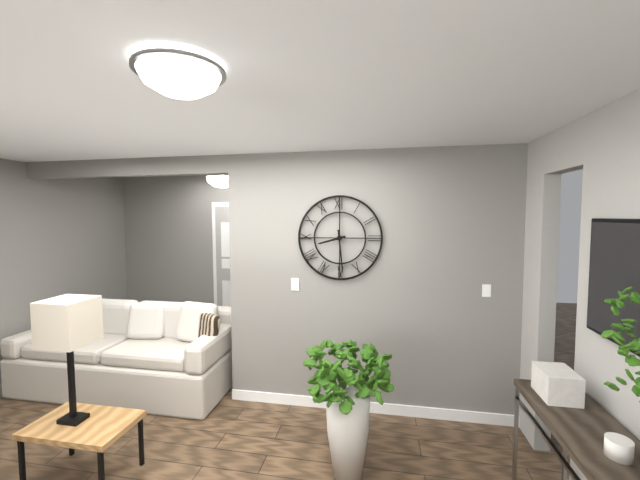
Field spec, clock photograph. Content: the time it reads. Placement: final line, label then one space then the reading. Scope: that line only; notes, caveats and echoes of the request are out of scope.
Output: 8:29
